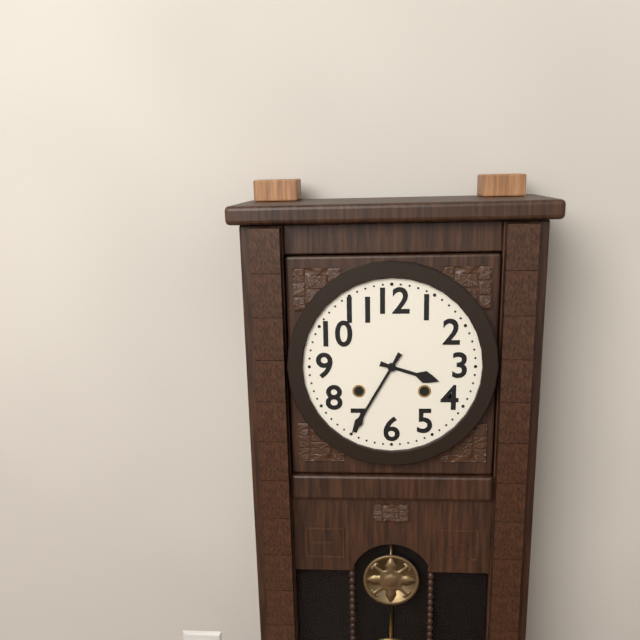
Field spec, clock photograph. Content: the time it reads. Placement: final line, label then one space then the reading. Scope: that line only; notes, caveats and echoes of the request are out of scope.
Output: 3:35
